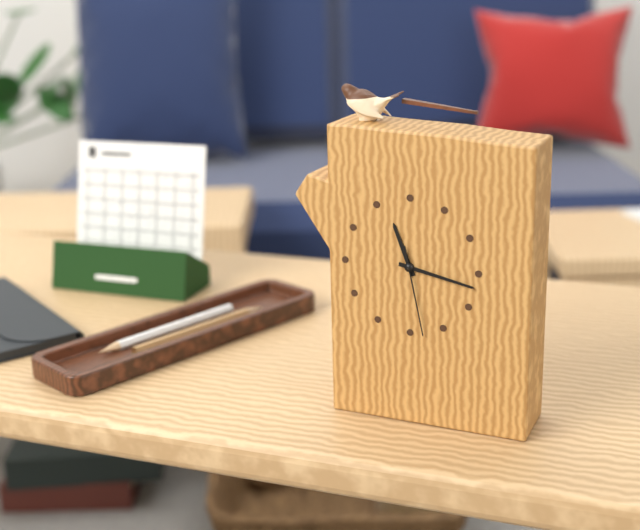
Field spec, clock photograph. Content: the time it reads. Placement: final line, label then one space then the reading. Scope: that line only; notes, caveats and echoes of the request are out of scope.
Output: 11:17:28
